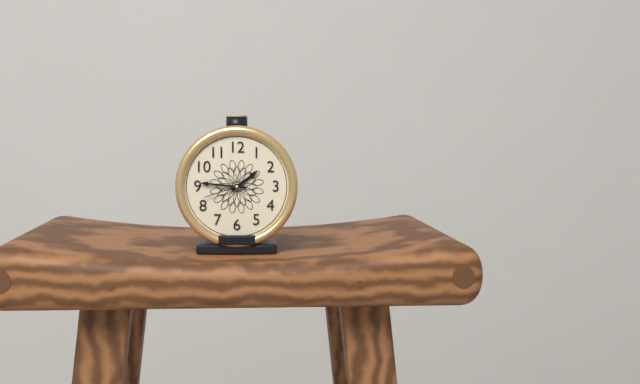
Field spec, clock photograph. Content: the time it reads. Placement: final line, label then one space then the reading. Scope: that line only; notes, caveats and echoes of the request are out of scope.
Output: 1:46
